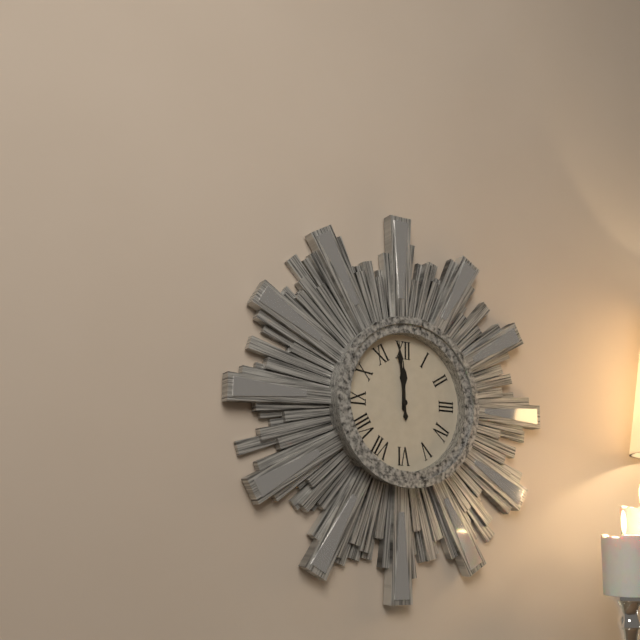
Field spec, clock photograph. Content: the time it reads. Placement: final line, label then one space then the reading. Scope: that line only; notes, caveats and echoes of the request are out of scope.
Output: 11:59
